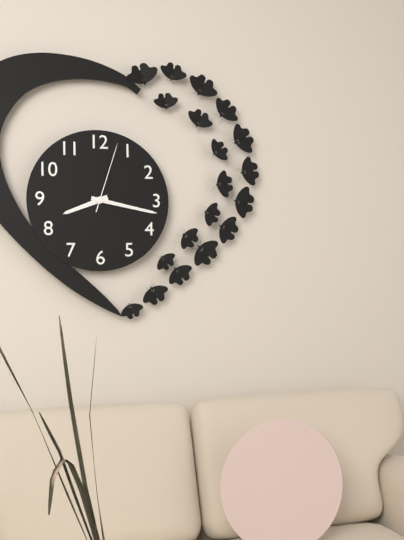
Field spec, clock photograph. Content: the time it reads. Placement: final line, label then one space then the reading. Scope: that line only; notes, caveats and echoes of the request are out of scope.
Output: 8:17:03
